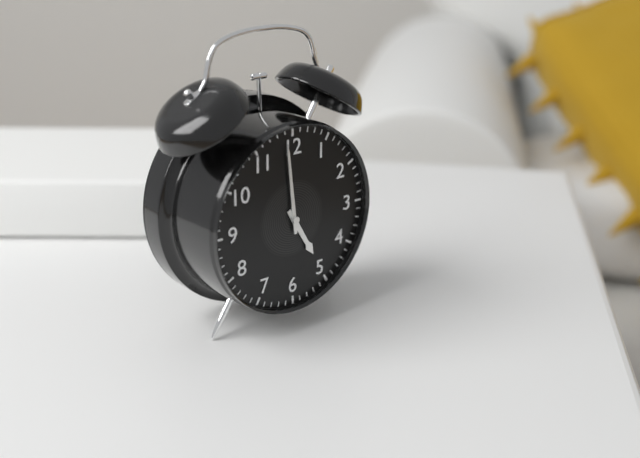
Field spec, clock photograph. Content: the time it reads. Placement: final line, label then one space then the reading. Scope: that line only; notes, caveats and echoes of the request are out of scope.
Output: 4:59
